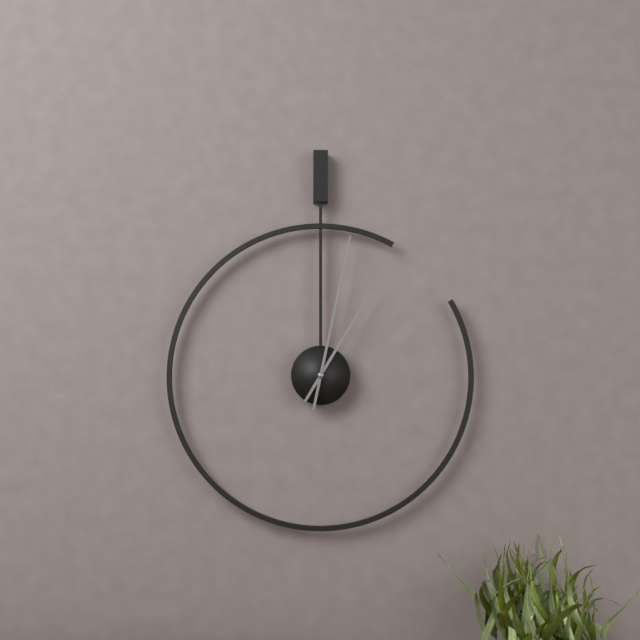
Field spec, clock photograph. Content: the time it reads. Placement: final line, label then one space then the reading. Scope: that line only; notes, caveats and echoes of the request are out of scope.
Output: 1:02
